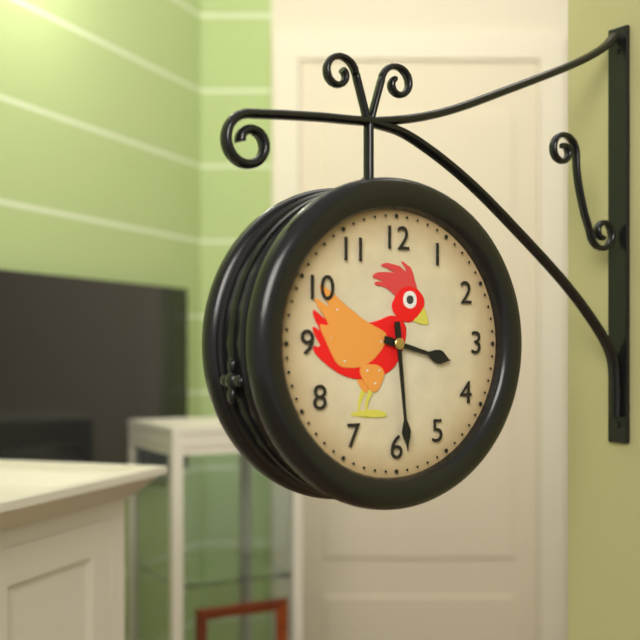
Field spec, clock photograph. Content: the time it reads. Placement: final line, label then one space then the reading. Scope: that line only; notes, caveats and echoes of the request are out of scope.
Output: 3:29
